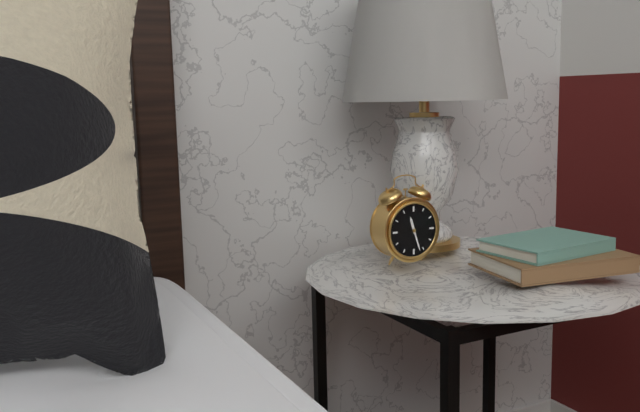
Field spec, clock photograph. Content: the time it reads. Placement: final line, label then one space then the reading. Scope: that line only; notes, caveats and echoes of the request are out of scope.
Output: 11:27
